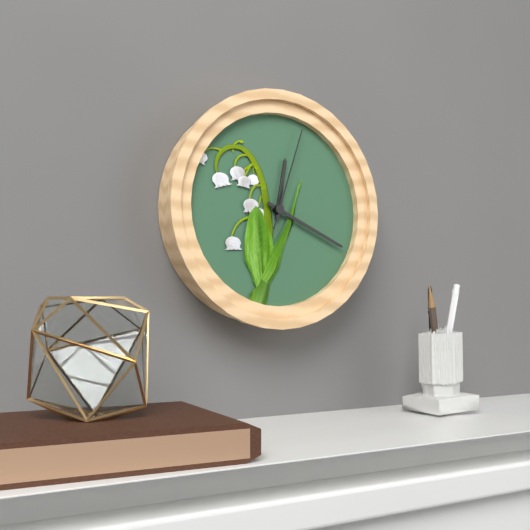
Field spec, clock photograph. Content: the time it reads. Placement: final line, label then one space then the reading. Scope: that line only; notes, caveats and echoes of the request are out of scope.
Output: 12:19:03
